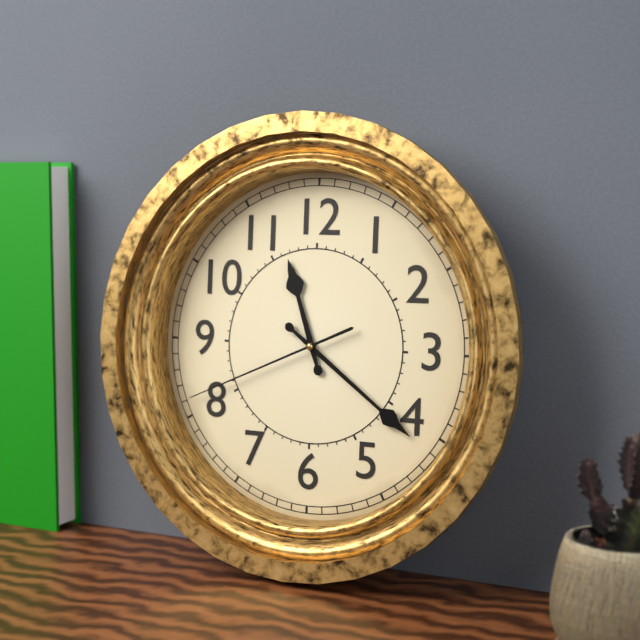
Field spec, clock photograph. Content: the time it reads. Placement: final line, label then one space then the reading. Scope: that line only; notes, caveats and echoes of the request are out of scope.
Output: 11:21:41
